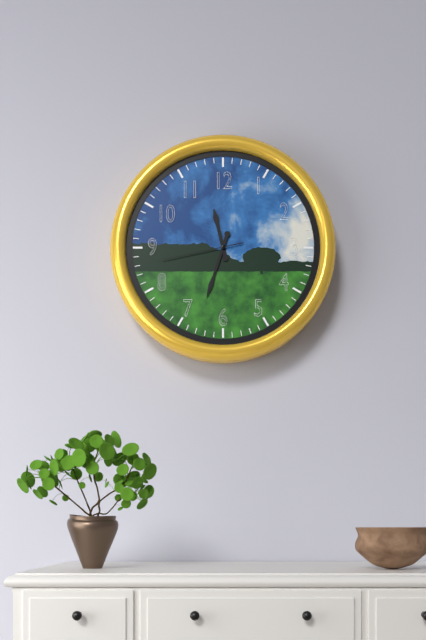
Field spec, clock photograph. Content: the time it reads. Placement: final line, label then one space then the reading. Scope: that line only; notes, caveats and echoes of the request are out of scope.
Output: 11:33:43
